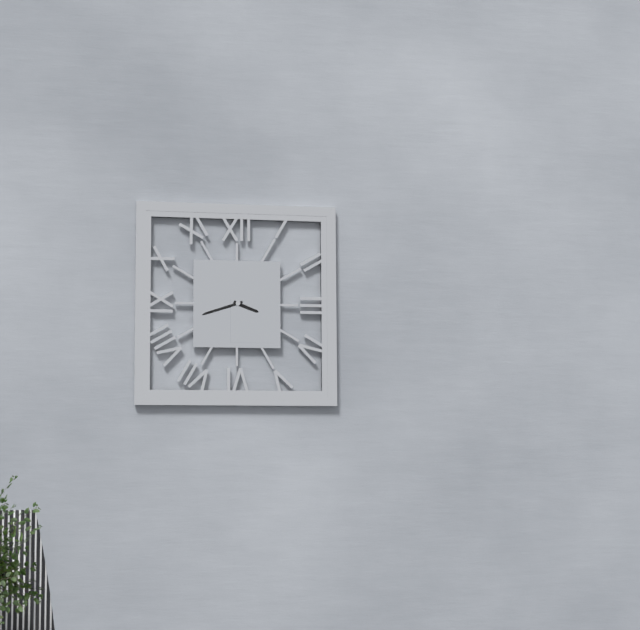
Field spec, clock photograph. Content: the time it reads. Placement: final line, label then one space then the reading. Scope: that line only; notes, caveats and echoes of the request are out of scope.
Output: 3:42
